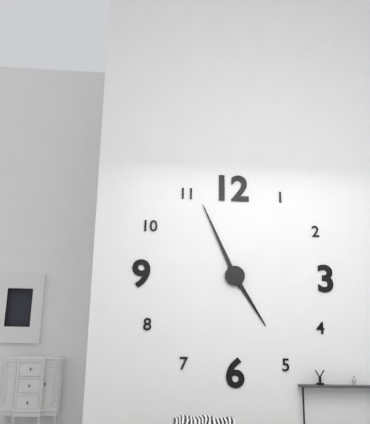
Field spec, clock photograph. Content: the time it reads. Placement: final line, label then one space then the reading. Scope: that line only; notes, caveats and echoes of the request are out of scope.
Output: 4:56
